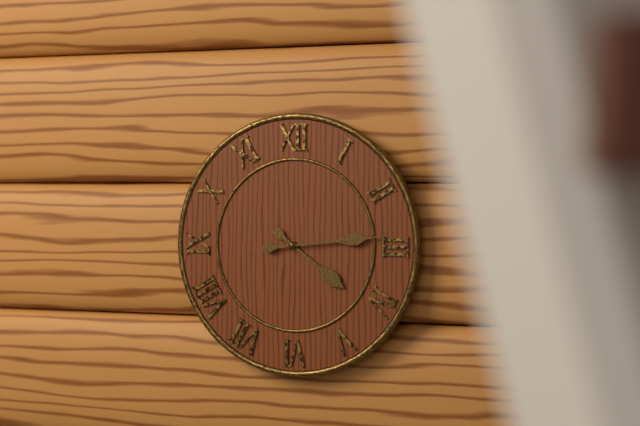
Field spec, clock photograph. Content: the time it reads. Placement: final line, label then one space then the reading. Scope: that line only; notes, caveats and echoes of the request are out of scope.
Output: 4:14
